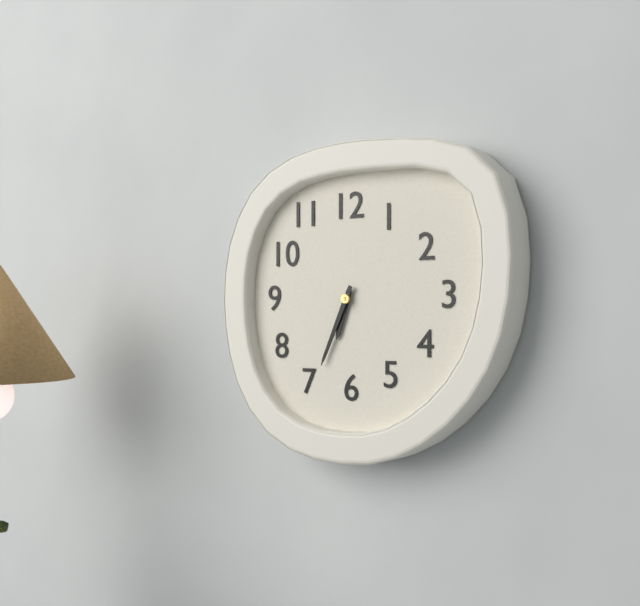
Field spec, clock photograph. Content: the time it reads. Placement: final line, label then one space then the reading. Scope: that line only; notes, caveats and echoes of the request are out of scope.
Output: 6:34
